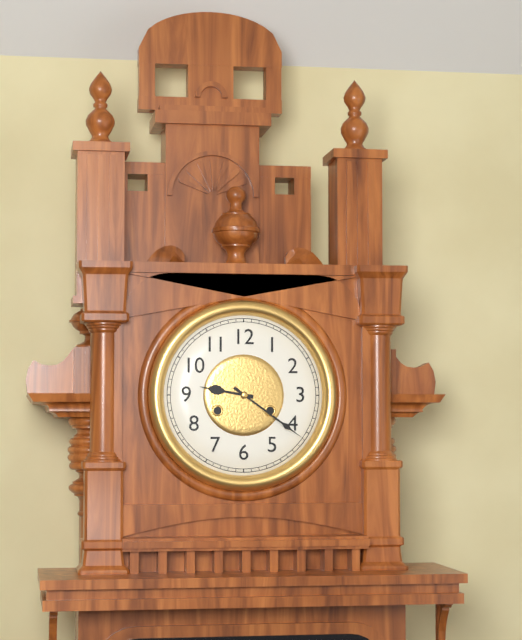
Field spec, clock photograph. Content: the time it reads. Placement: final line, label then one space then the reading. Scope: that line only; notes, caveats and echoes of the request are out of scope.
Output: 9:21
